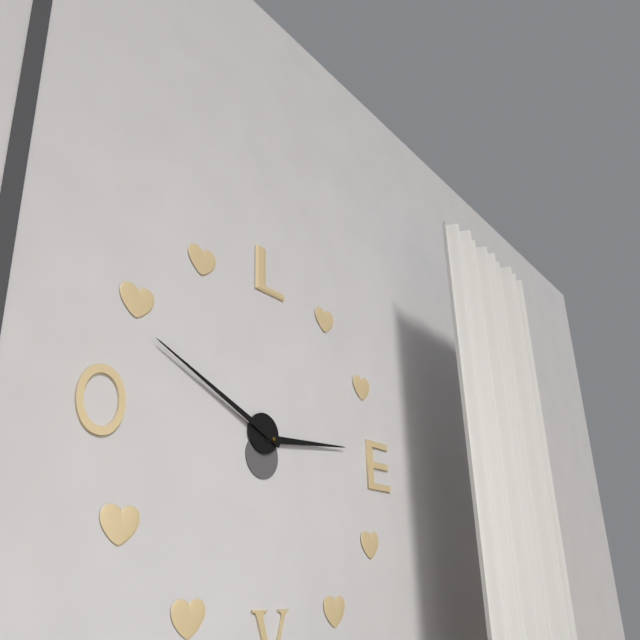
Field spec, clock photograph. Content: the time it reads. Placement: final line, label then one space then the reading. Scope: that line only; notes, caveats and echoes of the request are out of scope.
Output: 2:49
